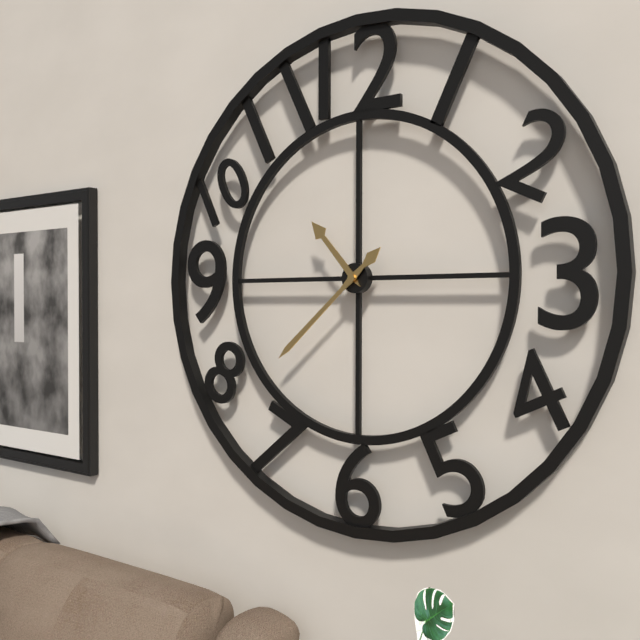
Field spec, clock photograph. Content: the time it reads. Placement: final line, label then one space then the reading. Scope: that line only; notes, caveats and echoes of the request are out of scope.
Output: 10:38
